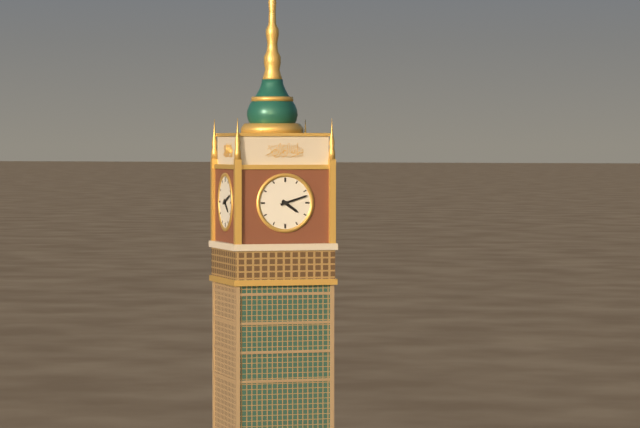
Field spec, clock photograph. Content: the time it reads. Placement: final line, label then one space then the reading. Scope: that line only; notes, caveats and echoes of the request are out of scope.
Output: 4:12
